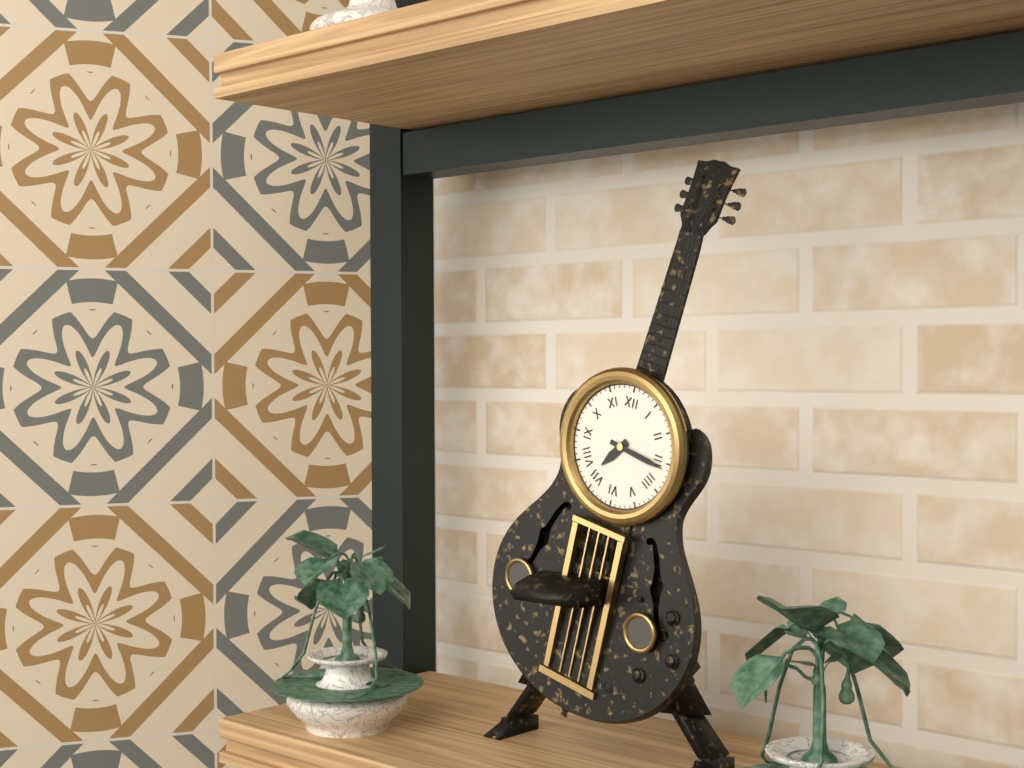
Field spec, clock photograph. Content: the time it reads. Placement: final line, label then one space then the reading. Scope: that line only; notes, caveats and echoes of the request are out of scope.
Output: 7:16
